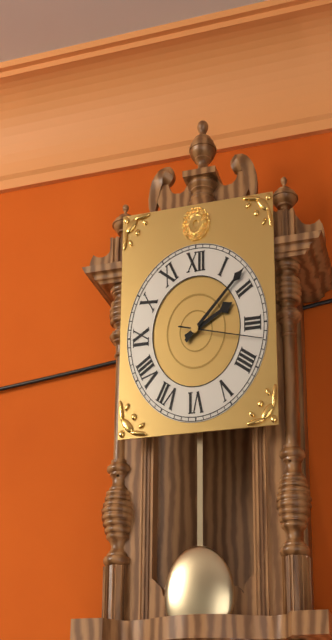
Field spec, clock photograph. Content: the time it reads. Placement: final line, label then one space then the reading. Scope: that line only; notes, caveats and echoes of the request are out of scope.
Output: 2:08:17
